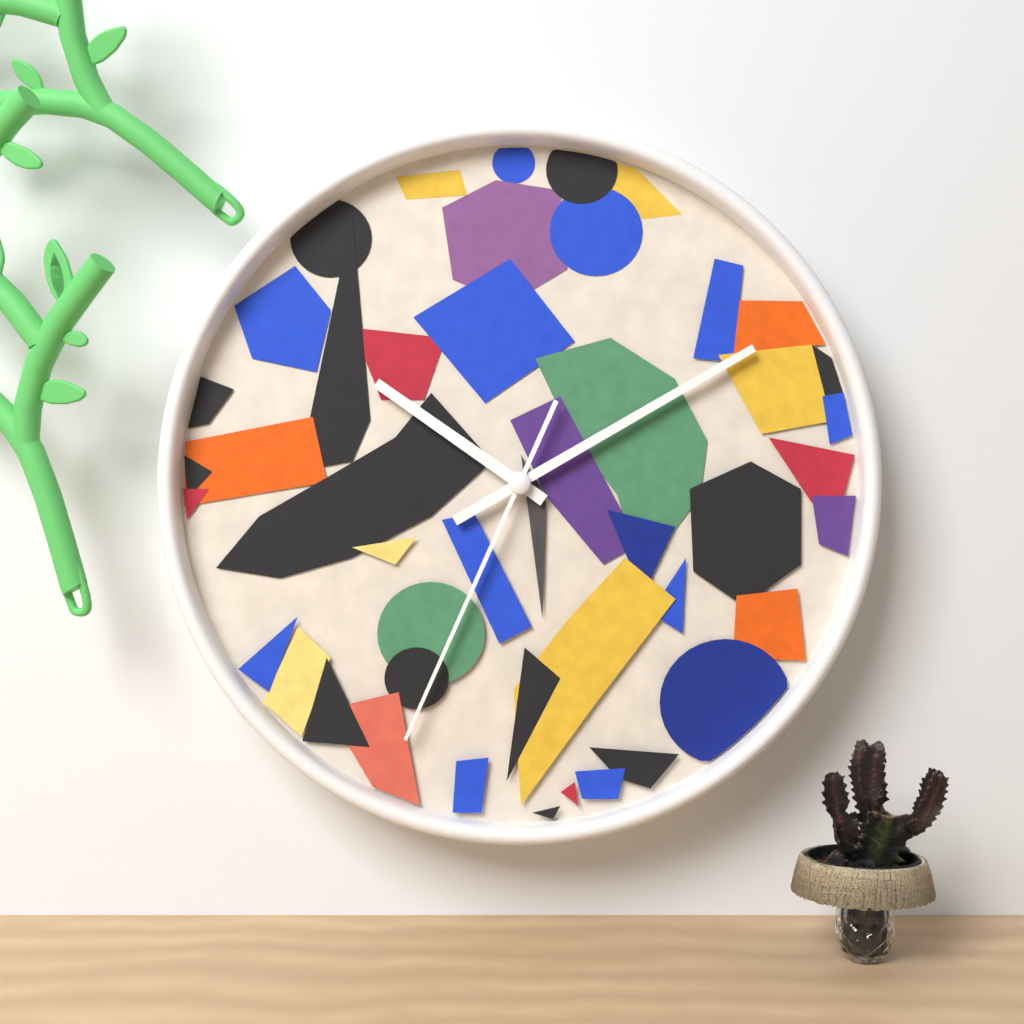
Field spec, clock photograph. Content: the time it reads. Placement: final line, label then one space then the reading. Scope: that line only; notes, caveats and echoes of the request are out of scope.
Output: 10:10:34
